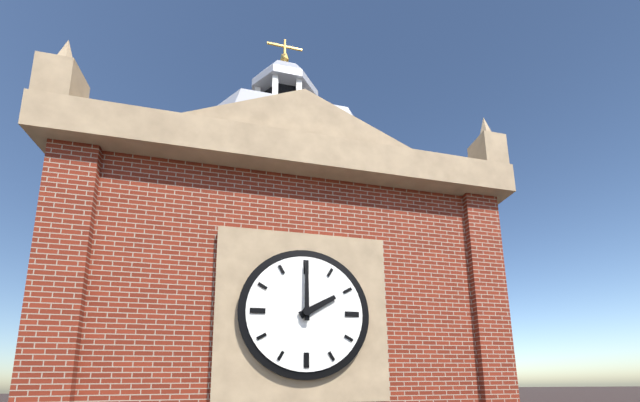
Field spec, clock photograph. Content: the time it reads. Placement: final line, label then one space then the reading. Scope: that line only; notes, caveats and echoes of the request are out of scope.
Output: 2:00
